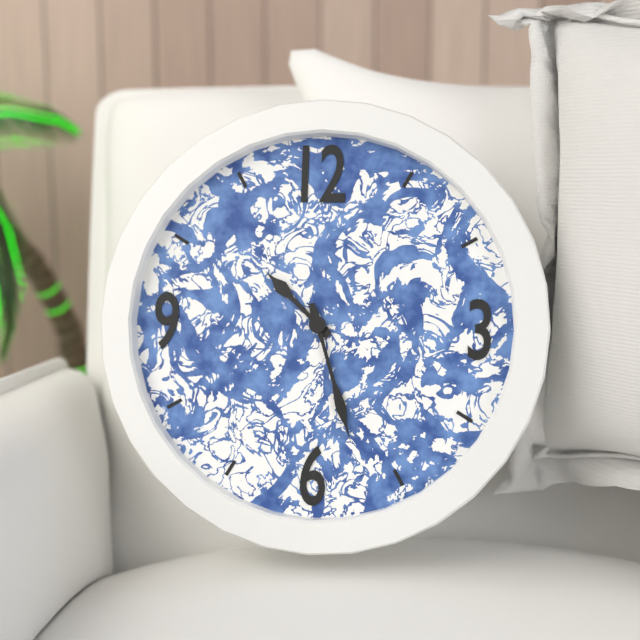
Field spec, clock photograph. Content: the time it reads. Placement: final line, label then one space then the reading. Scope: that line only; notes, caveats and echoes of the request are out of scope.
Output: 10:27
